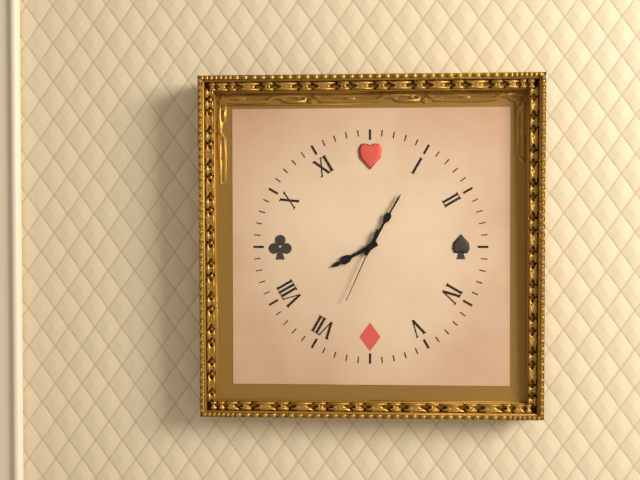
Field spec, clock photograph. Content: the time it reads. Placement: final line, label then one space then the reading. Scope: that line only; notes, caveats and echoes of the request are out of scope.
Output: 8:05:34
